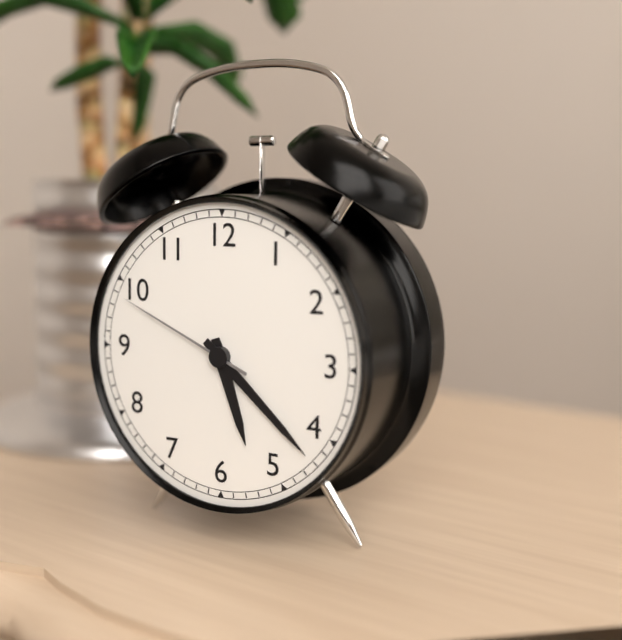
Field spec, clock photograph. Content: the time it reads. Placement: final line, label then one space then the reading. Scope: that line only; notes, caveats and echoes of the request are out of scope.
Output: 5:22:49
